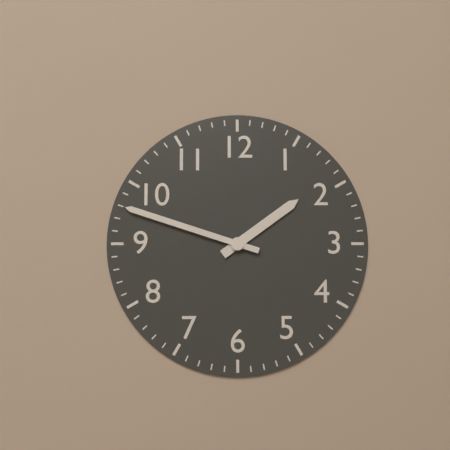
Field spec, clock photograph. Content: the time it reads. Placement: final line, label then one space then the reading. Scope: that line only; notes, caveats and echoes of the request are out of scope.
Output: 1:48
